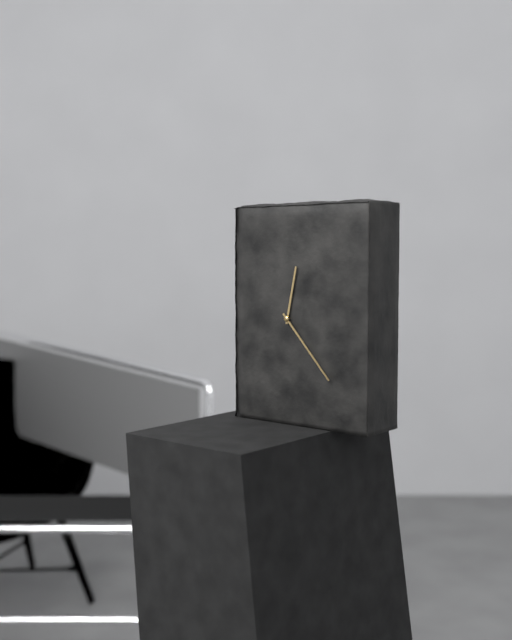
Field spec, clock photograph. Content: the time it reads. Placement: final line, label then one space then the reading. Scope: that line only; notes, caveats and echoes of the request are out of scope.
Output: 12:23
